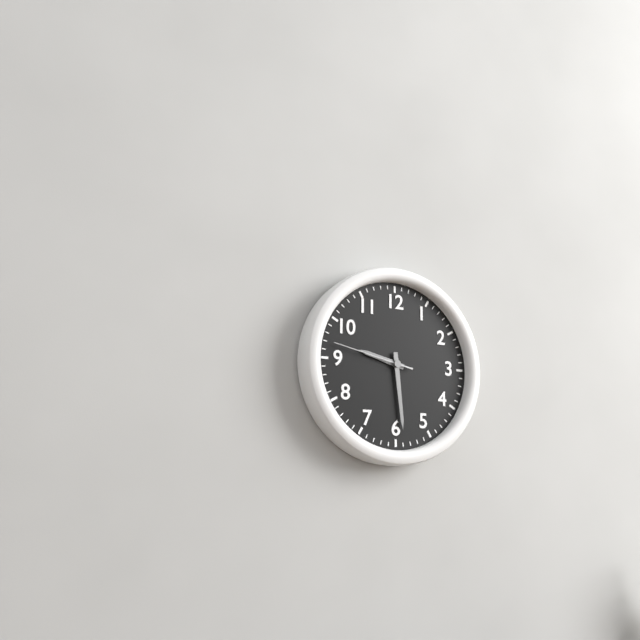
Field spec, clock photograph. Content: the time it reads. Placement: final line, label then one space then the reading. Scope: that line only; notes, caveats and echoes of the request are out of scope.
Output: 9:29:47
